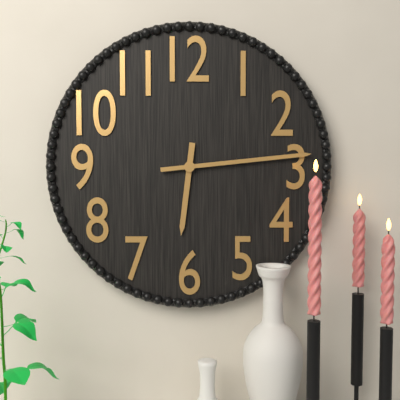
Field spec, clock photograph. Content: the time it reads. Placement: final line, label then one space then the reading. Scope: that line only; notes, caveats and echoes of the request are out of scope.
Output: 6:14
